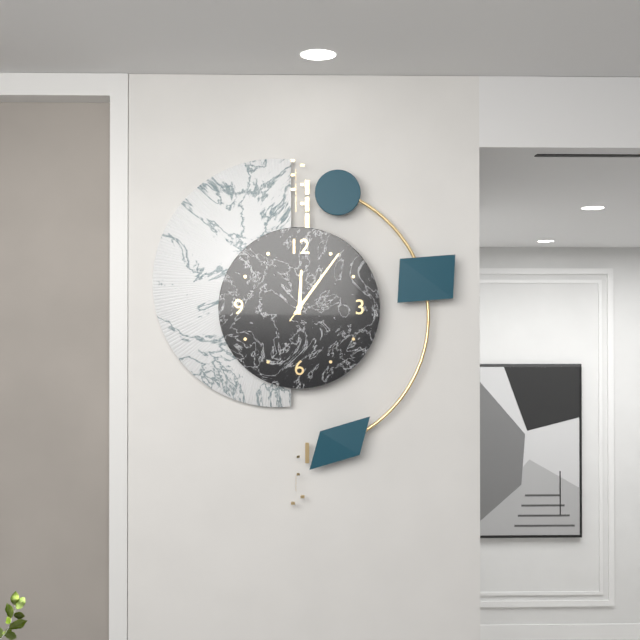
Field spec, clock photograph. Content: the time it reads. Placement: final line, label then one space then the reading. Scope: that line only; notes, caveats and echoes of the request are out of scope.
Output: 12:06:06
